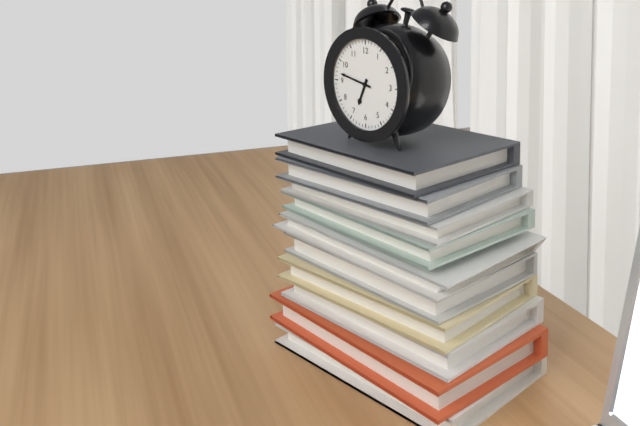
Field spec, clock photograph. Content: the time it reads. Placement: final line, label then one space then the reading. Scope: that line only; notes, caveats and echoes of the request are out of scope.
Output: 6:47
